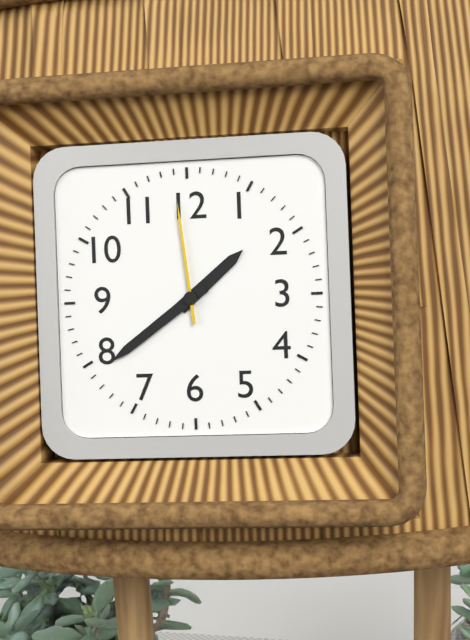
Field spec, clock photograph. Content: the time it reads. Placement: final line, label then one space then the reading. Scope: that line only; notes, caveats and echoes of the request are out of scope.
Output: 1:39:59
